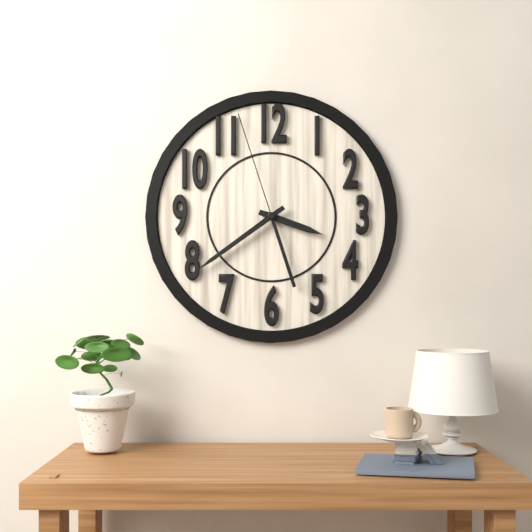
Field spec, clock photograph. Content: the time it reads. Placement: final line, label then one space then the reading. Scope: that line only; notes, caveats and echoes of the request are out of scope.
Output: 3:39:57
